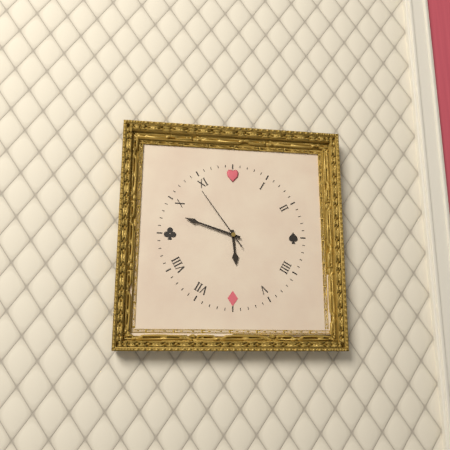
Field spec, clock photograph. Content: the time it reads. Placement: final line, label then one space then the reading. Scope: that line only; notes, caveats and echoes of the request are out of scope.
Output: 5:48:54
